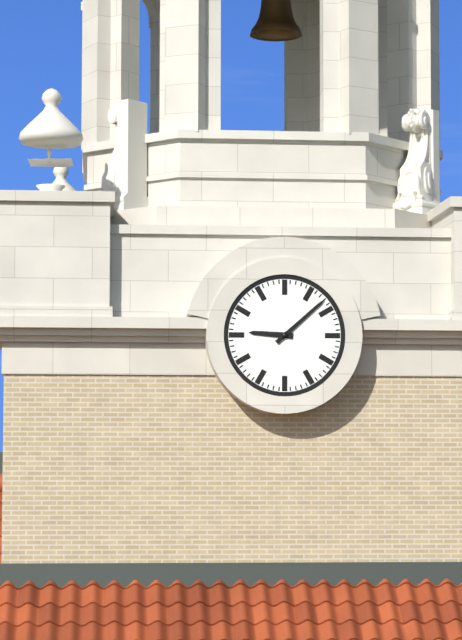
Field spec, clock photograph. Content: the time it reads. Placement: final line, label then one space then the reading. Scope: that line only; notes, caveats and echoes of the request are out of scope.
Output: 9:08
